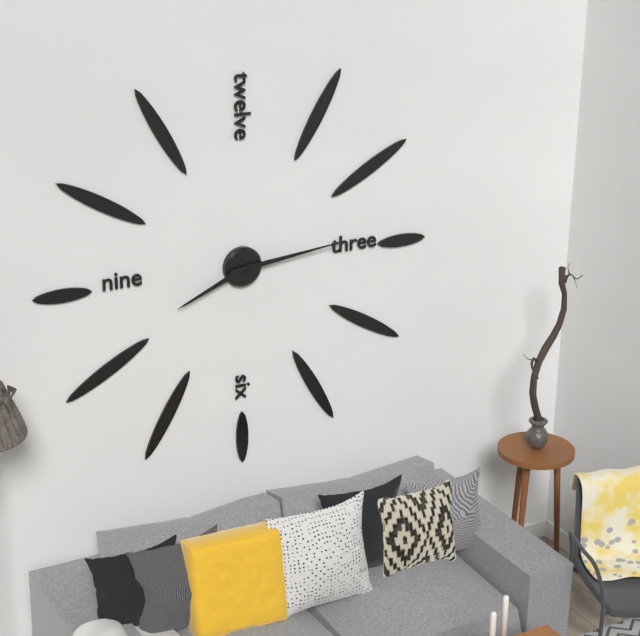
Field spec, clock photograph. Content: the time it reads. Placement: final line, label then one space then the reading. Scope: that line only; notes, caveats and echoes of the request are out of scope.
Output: 8:14
